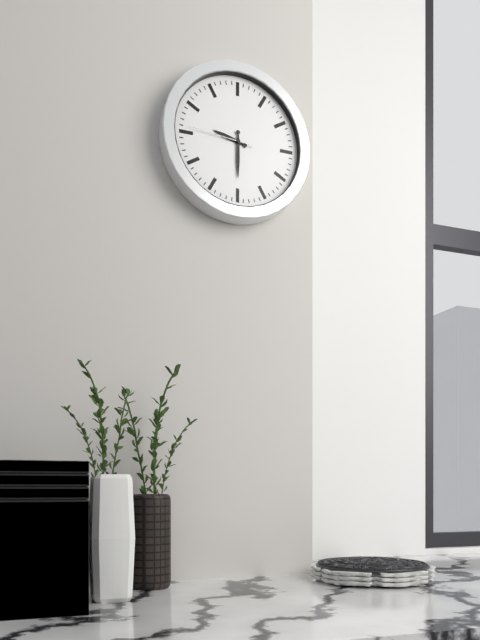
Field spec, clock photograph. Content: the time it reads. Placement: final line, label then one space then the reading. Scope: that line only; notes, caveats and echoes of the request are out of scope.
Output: 9:30:46
